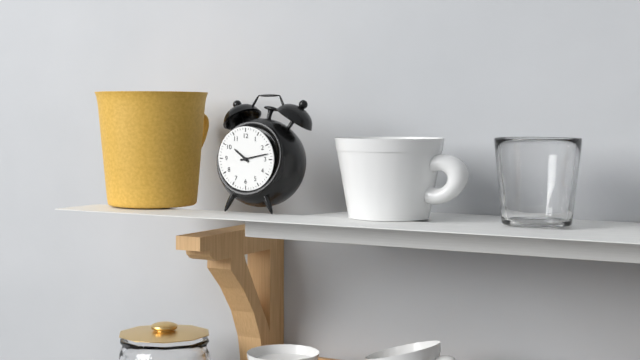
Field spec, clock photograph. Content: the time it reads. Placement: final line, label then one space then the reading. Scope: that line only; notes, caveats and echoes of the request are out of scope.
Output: 10:13
